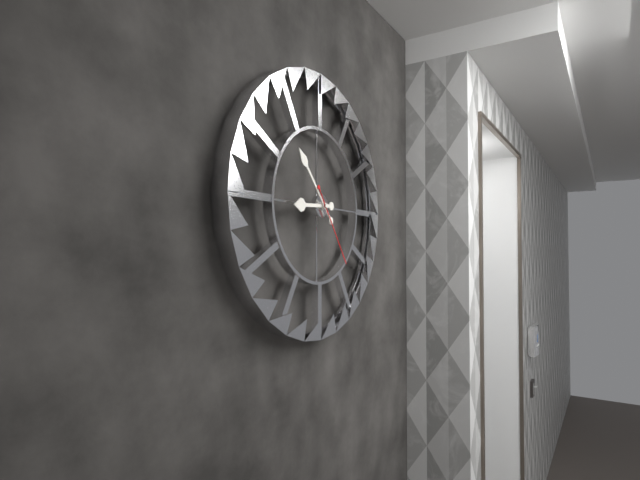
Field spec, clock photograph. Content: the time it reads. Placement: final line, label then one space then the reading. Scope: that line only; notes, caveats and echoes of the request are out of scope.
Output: 8:53:24
